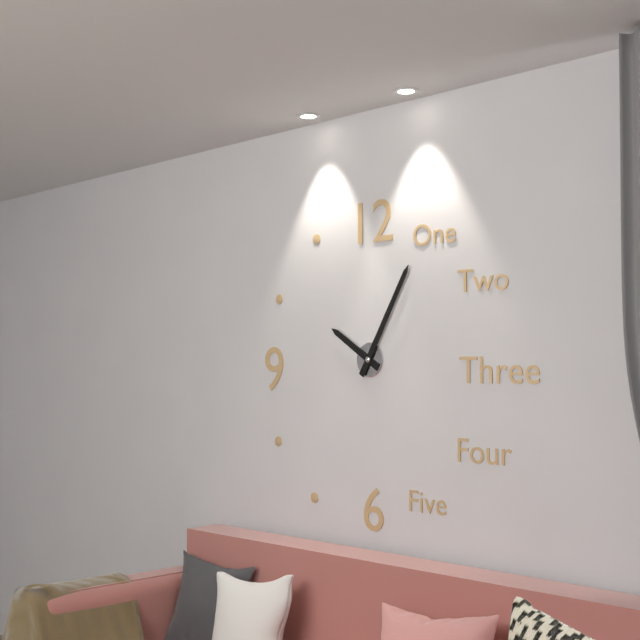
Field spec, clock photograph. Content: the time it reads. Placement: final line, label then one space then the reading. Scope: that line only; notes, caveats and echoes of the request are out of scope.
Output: 10:05
